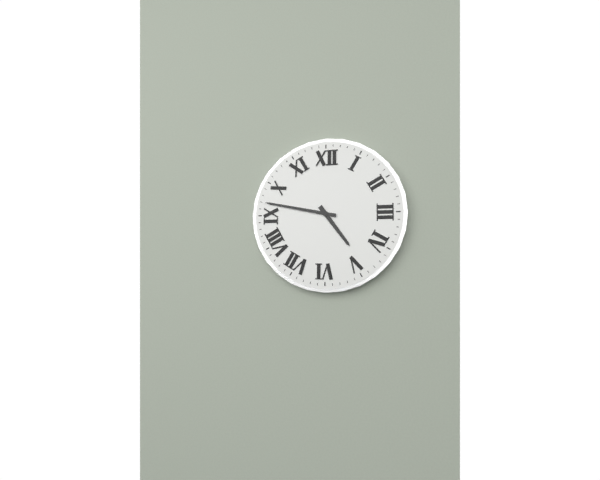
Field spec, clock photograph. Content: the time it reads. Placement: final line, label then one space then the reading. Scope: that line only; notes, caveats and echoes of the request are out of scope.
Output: 4:47
